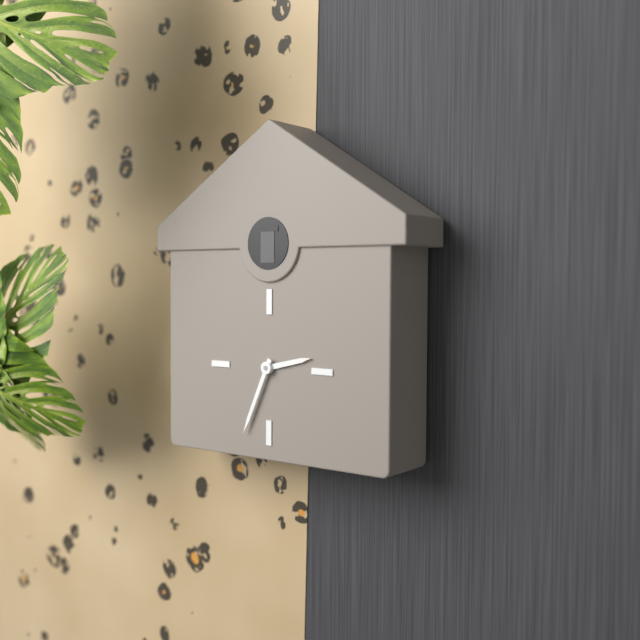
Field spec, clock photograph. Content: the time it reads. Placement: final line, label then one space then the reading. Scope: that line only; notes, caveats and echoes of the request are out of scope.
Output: 2:34
